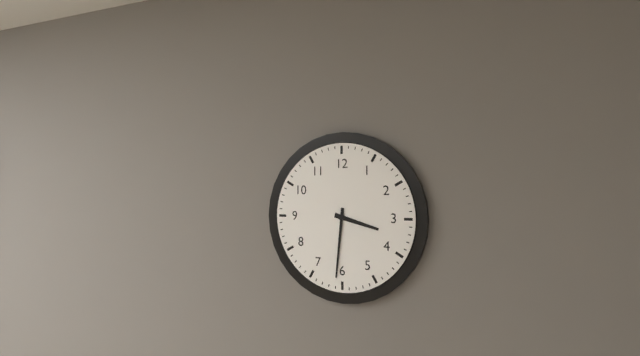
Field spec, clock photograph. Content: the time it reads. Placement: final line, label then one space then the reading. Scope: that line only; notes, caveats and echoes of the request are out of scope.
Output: 3:31
